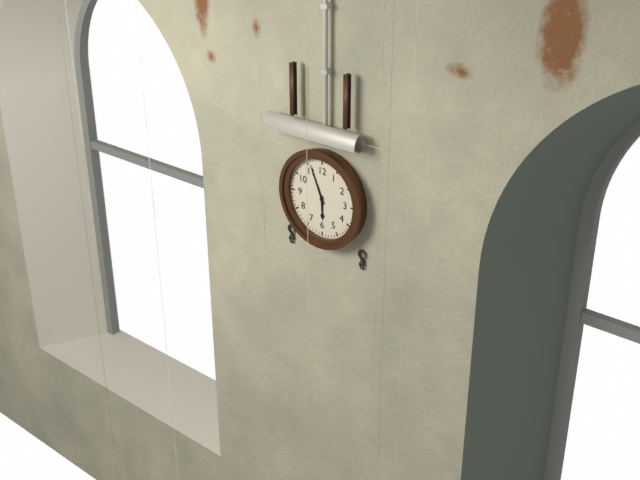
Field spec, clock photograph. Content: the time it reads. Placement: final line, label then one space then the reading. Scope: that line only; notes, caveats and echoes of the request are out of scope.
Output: 5:56
